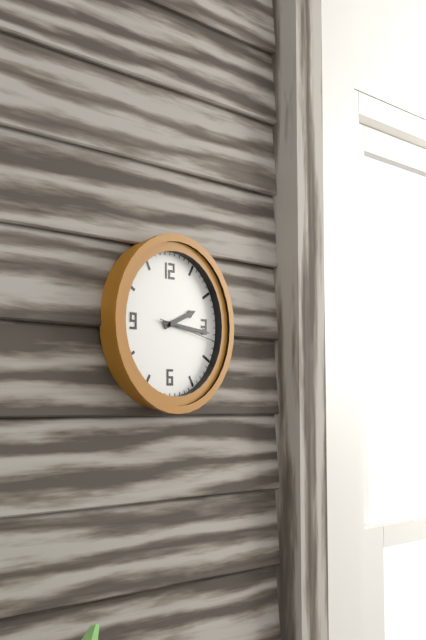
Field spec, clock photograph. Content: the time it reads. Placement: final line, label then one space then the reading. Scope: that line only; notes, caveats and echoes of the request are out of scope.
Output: 2:16:17
